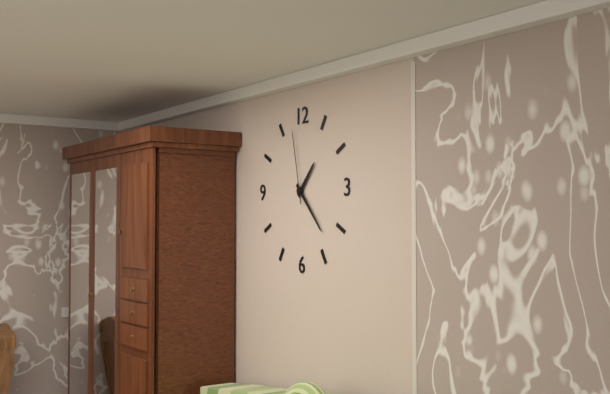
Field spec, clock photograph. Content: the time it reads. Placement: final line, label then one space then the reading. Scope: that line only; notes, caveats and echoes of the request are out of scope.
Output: 1:23:58
